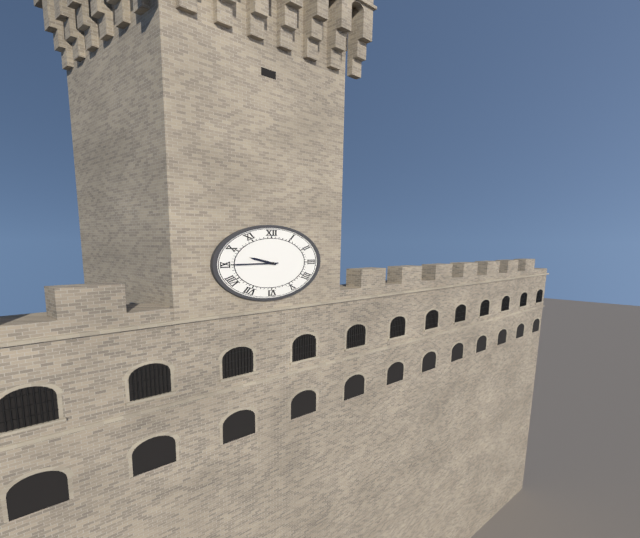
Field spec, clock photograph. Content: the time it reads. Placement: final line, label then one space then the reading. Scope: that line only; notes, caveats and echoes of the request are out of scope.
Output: 9:45
